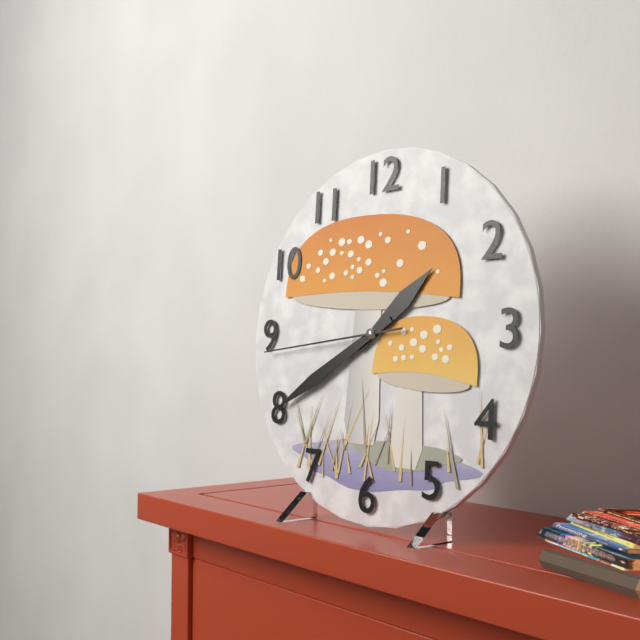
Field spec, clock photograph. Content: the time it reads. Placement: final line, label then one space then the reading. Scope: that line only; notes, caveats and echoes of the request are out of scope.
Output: 1:40:44
